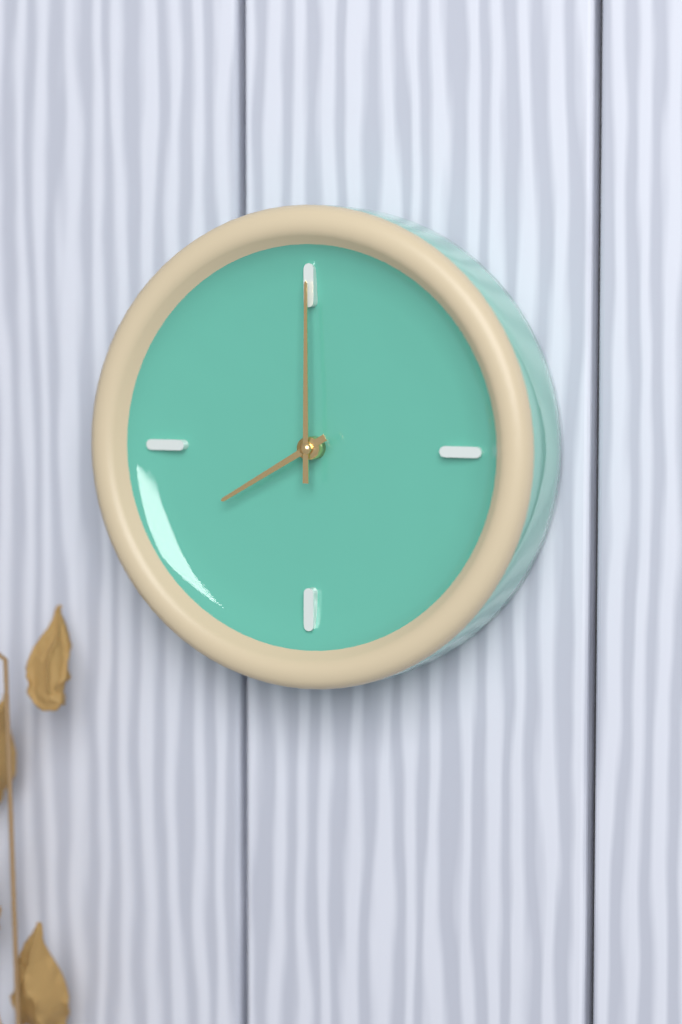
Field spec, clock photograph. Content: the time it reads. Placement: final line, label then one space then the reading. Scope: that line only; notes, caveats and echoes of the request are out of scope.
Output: 8:00
